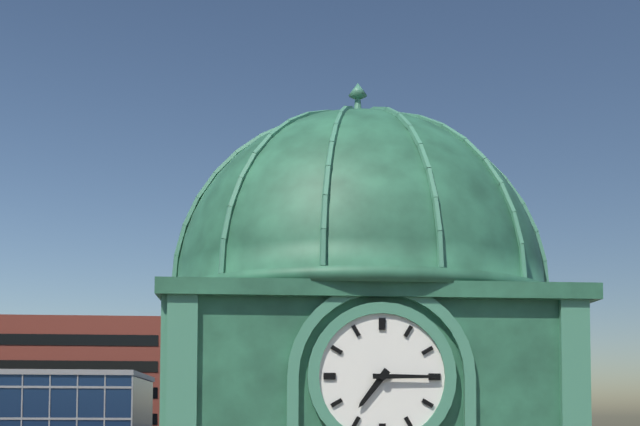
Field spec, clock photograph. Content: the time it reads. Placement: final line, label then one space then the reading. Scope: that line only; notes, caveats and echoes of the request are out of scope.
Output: 7:15
